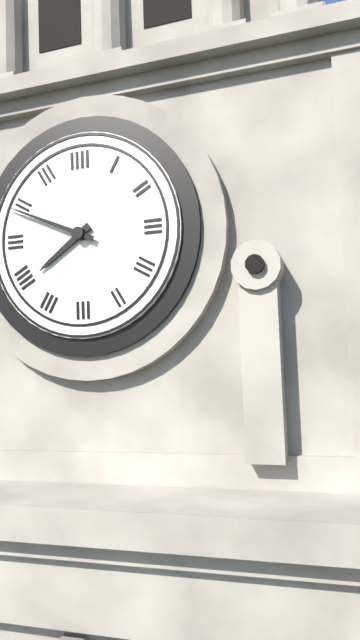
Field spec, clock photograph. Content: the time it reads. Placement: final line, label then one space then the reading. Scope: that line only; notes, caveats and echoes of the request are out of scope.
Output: 7:49
